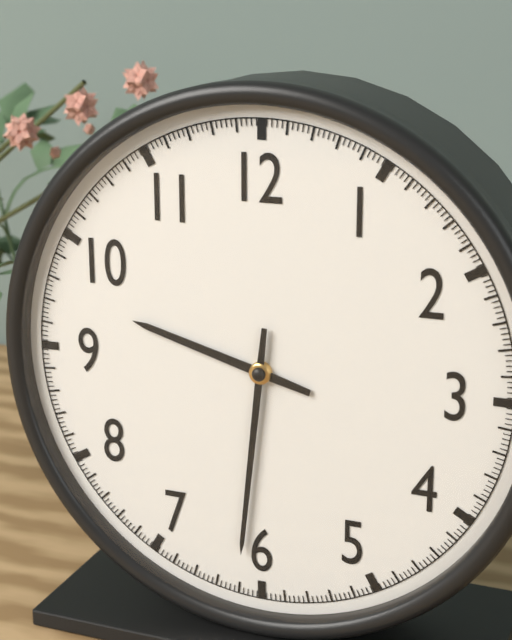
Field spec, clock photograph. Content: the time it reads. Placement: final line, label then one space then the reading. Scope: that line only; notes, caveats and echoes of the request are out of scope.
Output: 9:31
